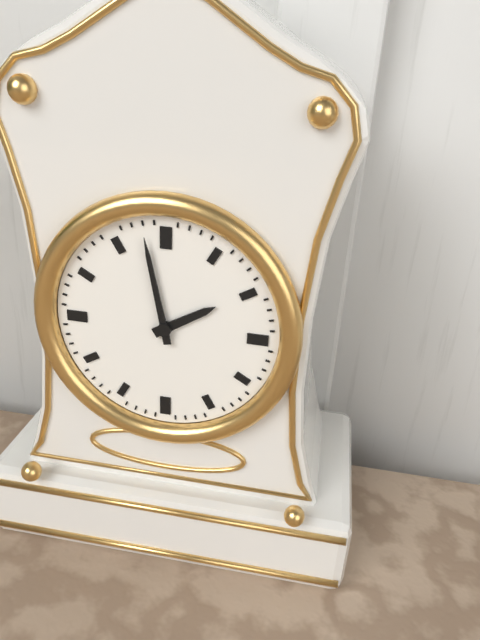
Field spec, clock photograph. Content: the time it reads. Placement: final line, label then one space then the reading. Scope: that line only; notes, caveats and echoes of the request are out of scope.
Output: 1:58
